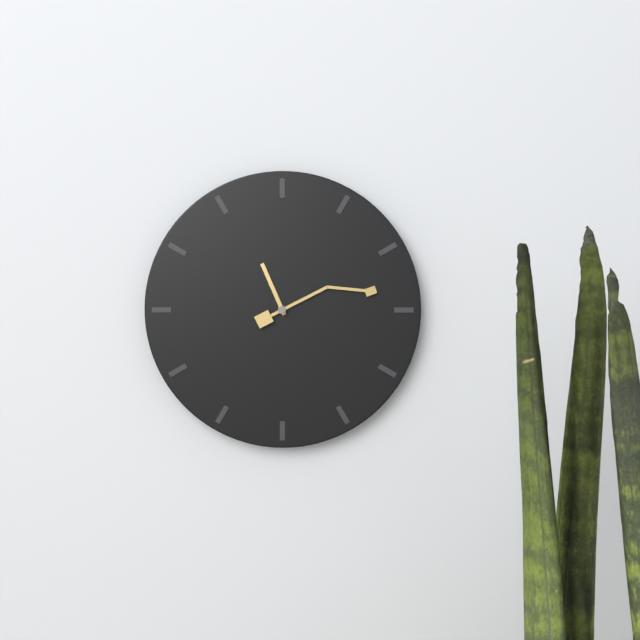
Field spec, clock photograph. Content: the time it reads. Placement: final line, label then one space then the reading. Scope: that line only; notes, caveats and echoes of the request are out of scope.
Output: 11:13
